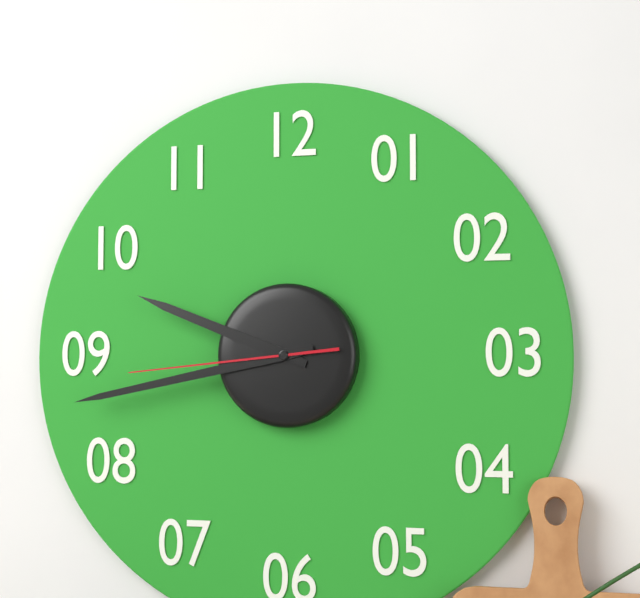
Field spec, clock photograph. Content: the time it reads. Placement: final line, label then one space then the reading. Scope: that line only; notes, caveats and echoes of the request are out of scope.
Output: 9:43:44
